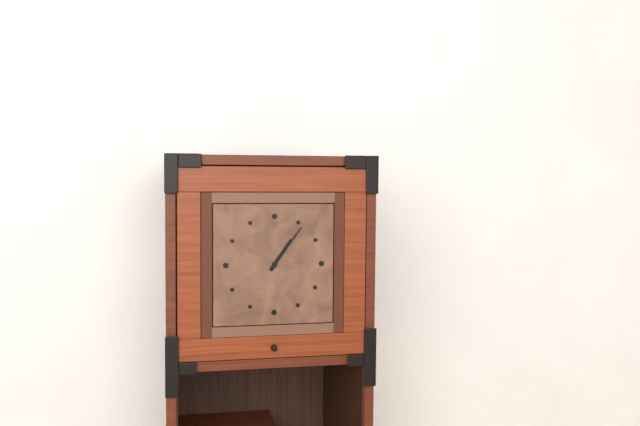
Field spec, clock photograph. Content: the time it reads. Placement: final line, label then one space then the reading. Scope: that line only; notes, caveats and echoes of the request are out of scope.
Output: 1:06
